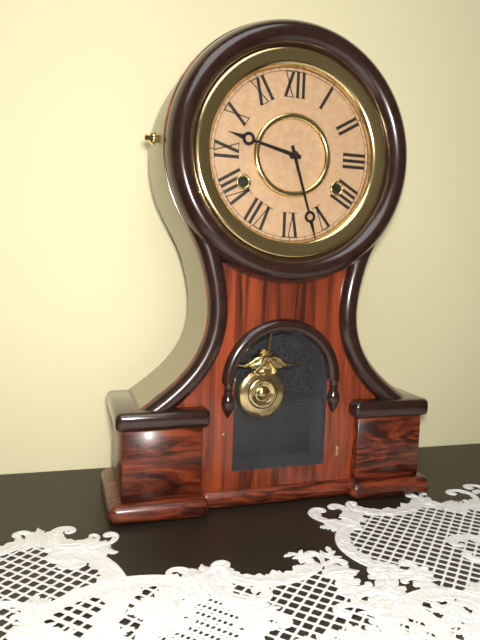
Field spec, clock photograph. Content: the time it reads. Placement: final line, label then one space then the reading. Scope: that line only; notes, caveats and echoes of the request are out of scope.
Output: 9:27
